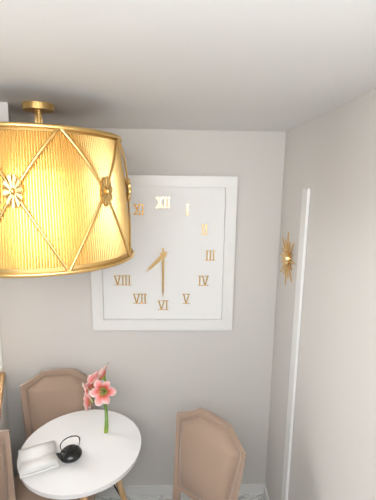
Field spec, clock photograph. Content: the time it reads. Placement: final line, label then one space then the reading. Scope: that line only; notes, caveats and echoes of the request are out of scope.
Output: 7:30
